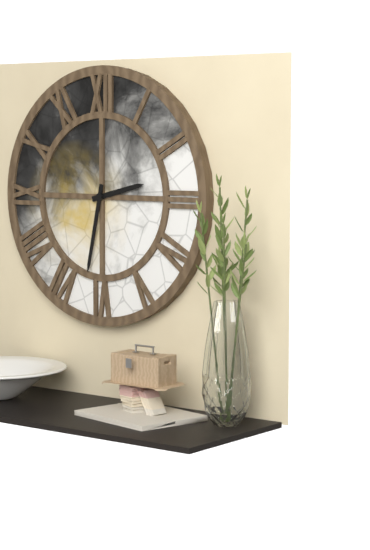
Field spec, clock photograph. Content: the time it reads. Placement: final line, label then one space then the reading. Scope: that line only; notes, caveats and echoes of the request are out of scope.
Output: 2:32
